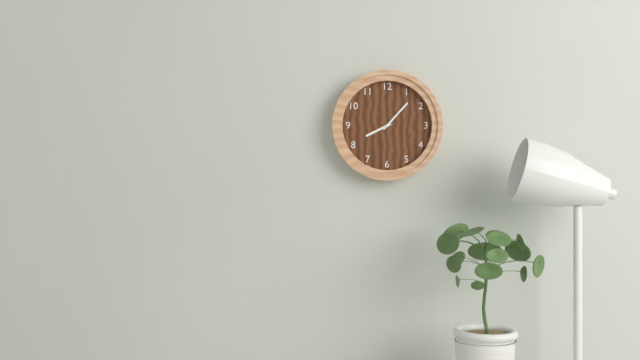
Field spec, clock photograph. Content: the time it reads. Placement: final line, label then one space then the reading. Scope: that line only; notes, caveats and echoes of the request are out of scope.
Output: 8:07
